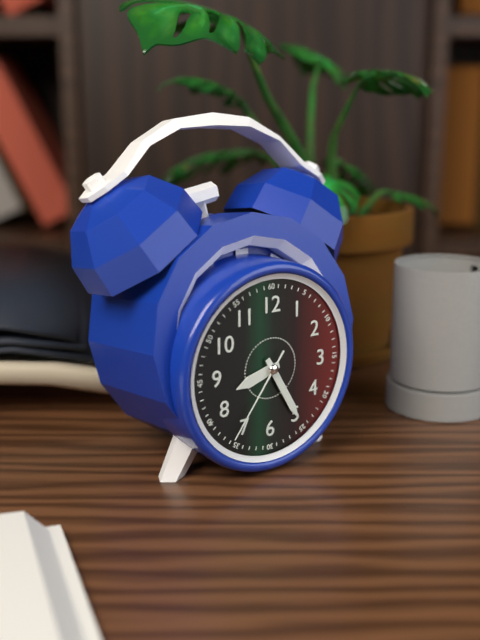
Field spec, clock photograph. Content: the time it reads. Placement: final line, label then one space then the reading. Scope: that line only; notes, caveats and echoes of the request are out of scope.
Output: 8:25:36
